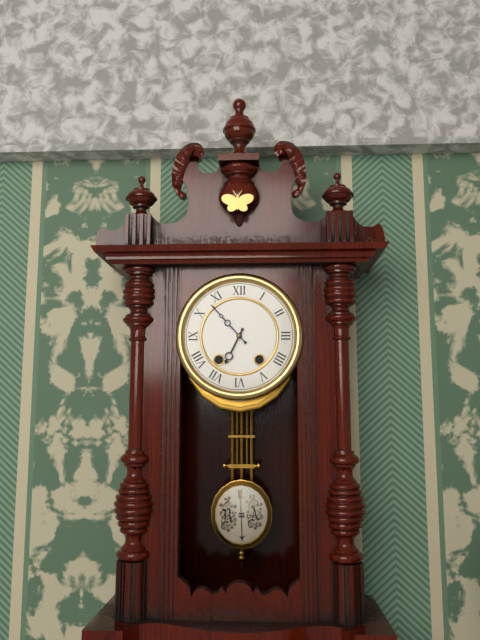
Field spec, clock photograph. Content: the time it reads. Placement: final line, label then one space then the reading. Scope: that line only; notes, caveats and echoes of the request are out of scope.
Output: 6:53
